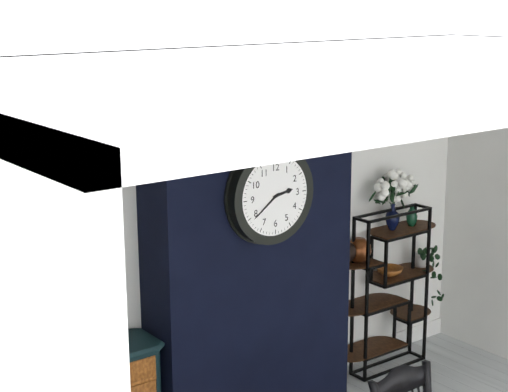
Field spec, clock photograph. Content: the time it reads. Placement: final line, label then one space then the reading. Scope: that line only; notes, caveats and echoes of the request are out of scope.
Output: 2:39
